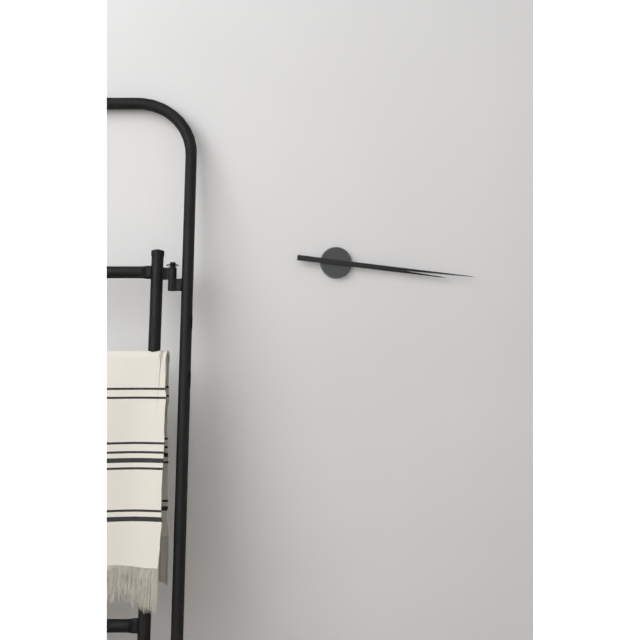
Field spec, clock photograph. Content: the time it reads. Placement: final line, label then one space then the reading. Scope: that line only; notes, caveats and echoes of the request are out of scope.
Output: 3:16
